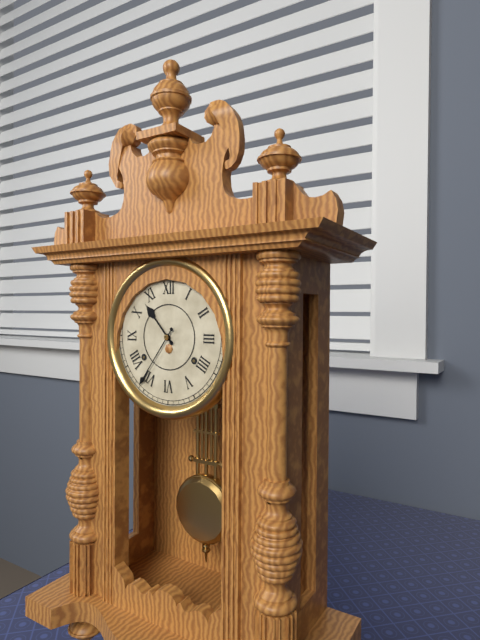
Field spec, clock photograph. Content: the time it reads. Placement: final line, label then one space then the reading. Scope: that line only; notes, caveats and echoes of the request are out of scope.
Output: 10:36
